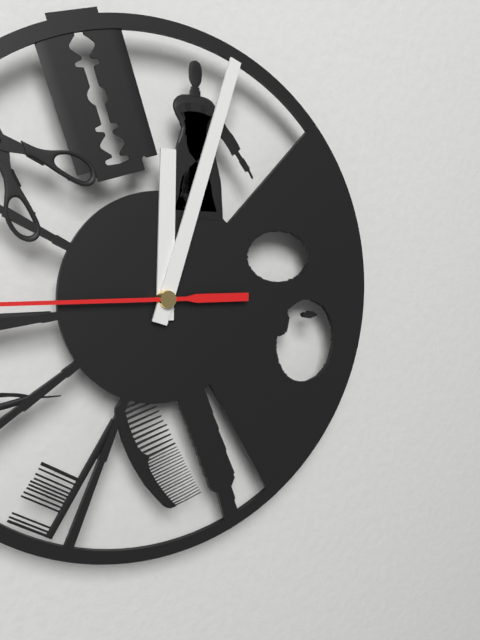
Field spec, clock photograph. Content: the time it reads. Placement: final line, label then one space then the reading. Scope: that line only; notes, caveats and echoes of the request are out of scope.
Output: 12:03
